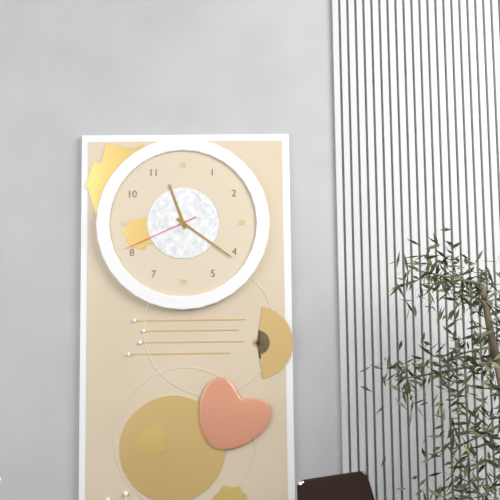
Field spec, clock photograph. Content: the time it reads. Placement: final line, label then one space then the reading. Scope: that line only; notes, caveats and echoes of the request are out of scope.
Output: 11:21:41
